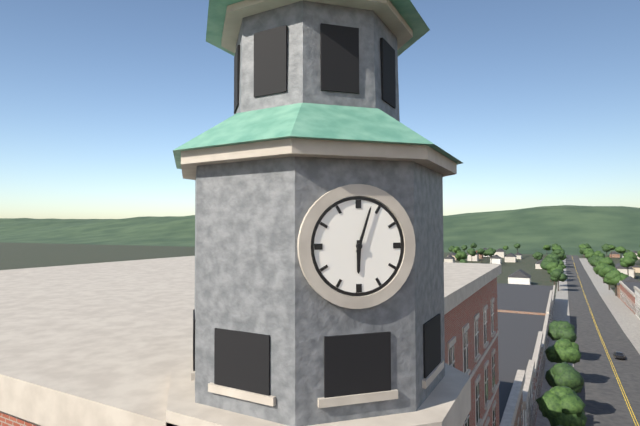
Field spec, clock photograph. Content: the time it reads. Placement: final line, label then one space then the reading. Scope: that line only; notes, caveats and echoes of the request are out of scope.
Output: 6:03
